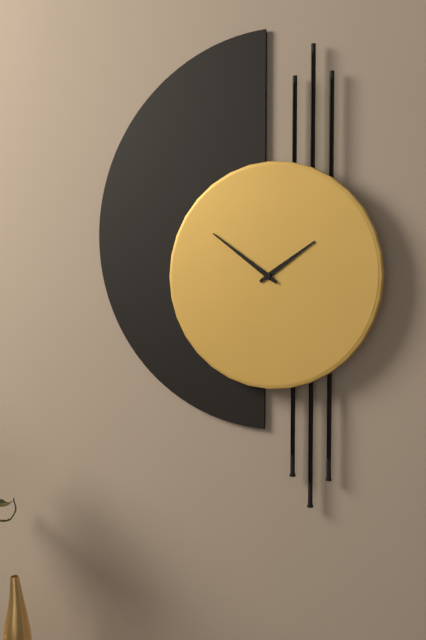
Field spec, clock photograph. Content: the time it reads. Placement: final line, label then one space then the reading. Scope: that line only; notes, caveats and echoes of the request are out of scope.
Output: 1:51
